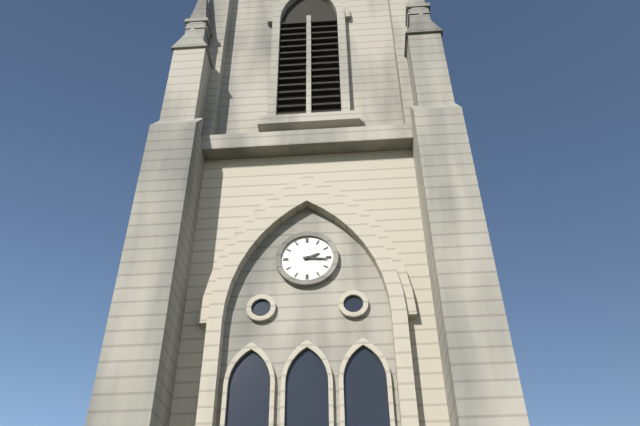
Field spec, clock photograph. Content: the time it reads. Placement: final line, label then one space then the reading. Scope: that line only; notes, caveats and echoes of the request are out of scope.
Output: 2:16
